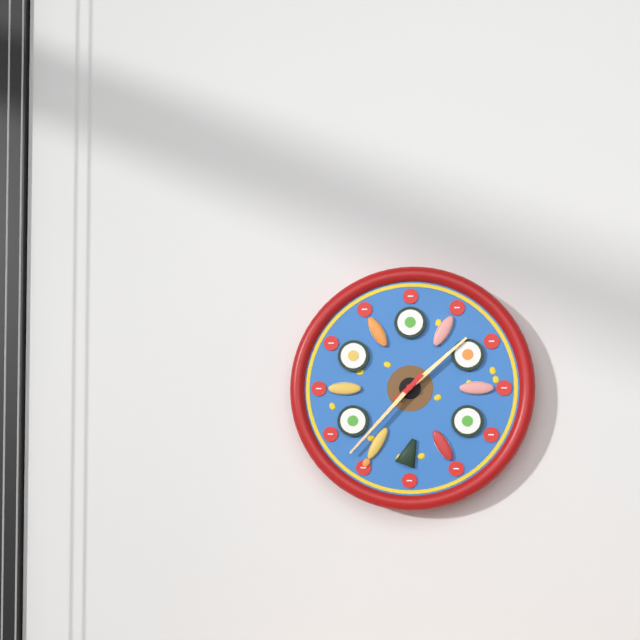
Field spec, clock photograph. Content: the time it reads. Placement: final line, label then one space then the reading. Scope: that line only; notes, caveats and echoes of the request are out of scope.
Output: 1:37
